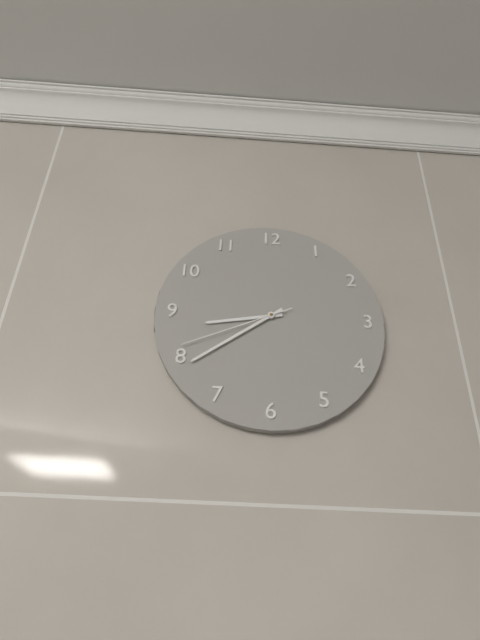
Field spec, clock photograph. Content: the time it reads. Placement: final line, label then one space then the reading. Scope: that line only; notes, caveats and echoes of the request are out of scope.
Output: 8:39:41
